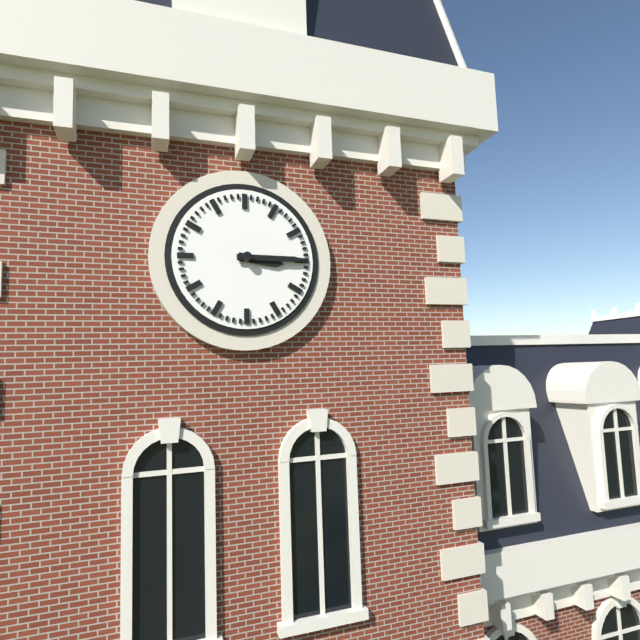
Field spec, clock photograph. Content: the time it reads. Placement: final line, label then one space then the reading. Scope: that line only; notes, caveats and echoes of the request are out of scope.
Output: 3:15
